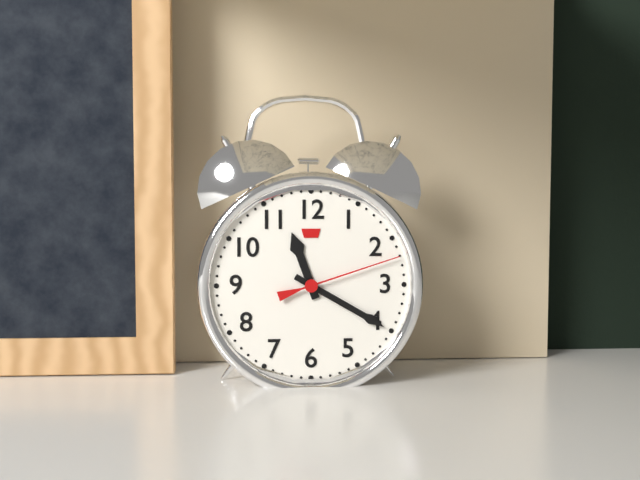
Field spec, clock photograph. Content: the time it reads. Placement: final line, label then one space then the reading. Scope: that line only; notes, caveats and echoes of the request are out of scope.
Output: 11:20:12
